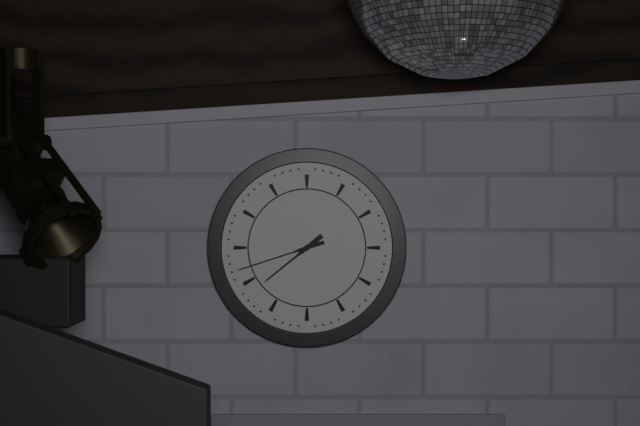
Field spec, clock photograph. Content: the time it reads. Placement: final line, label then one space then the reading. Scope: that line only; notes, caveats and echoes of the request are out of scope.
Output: 7:42
